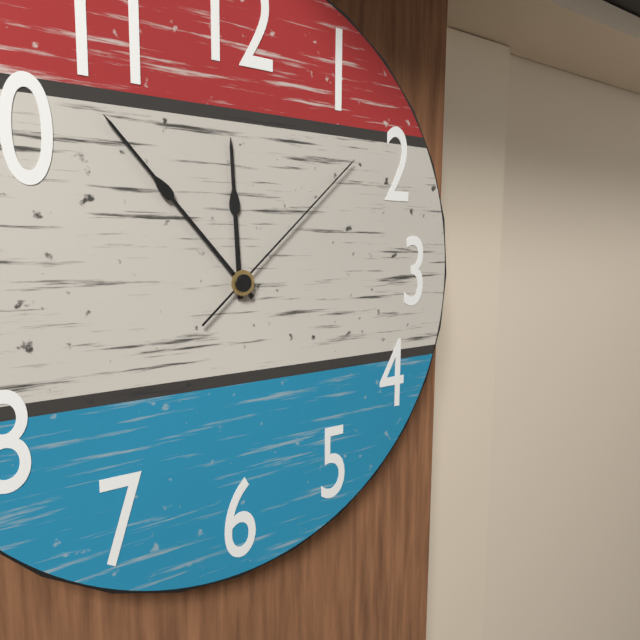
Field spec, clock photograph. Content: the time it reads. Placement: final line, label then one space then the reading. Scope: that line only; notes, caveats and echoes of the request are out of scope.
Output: 11:53:08
